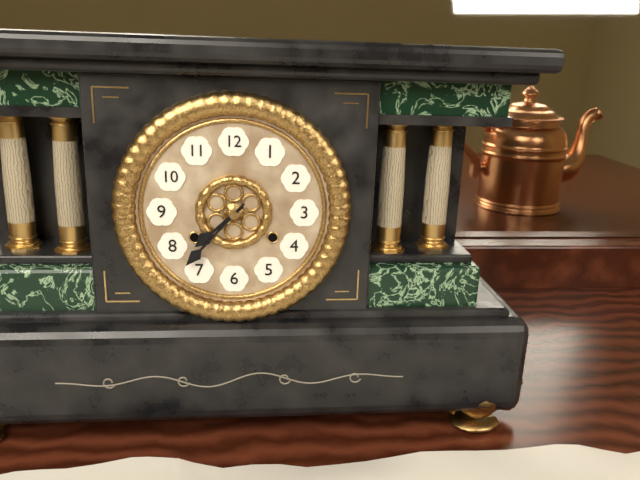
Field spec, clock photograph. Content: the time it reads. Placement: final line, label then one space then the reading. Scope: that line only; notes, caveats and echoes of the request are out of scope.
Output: 7:37
